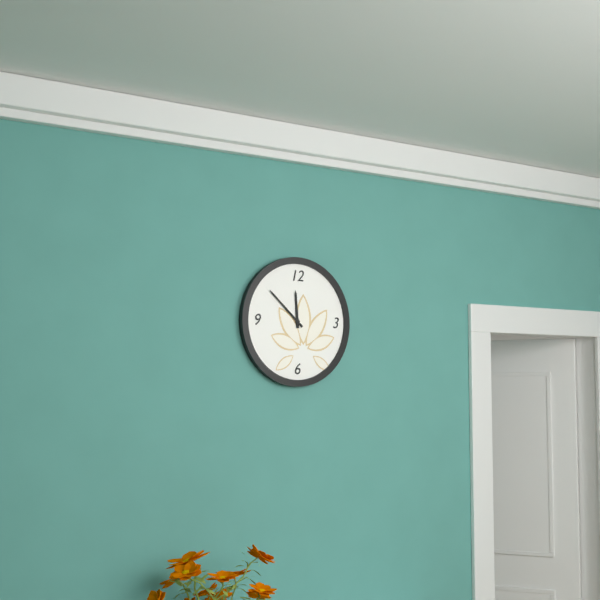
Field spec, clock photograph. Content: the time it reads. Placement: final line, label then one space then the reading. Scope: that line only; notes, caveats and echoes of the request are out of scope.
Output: 11:52
